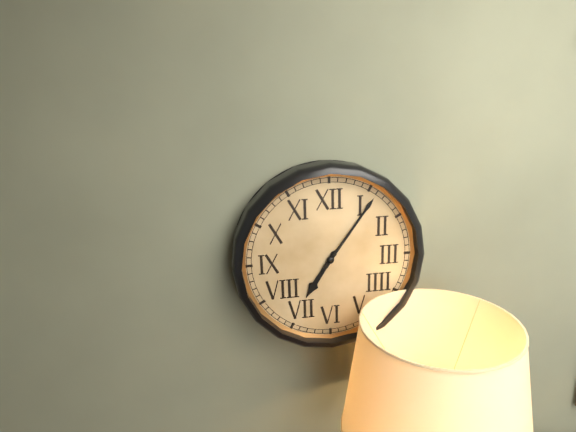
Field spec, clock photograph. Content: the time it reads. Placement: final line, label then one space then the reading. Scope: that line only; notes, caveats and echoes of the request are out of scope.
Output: 7:06
